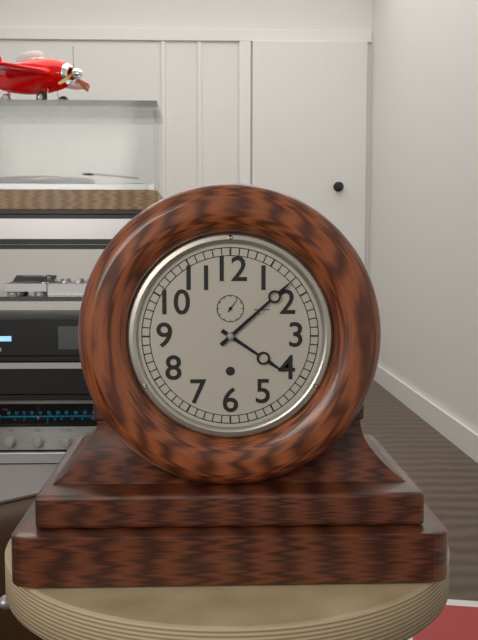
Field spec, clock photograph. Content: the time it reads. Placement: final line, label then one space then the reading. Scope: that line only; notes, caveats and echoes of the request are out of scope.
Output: 4:08
